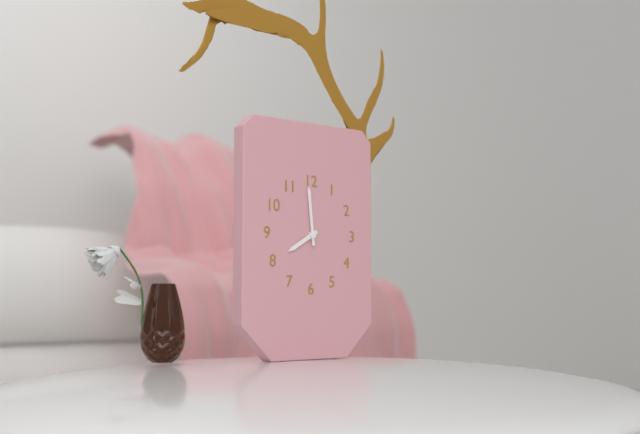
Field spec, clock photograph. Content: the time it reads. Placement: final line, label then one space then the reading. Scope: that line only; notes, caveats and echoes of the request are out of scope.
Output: 7:59
